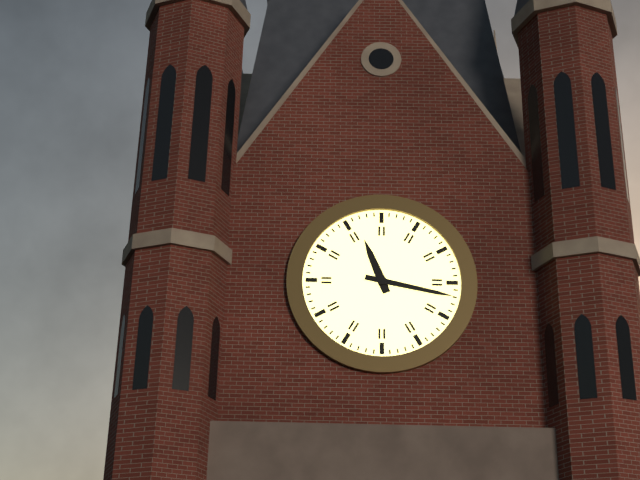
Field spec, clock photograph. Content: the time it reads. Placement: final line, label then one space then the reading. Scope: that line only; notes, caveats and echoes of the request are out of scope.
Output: 11:17
